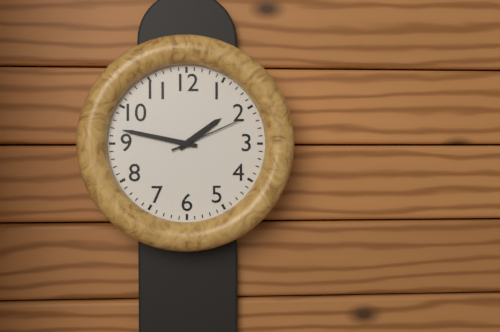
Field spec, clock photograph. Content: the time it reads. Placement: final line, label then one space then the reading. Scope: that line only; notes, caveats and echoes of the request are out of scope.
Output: 1:47:11
